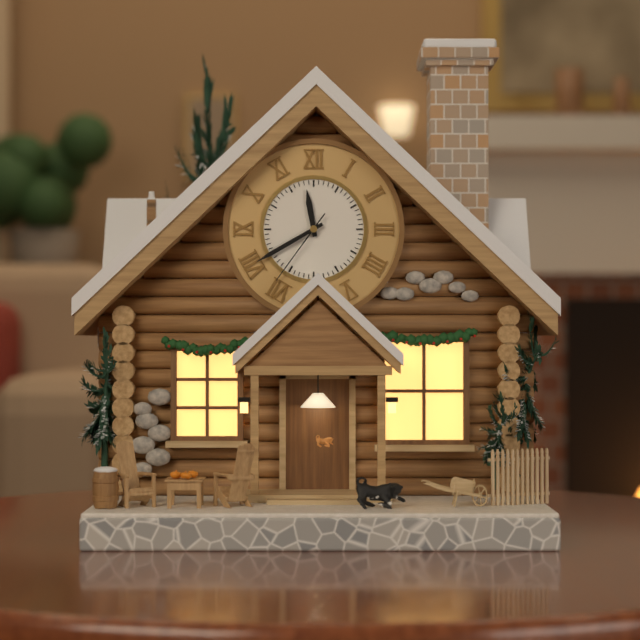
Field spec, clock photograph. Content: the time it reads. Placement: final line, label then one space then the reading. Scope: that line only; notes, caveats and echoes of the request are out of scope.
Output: 11:40:36
